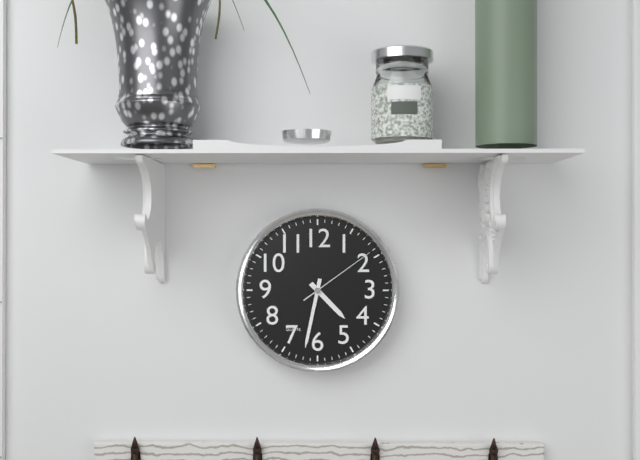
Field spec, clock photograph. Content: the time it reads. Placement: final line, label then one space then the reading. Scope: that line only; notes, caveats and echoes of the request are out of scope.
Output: 4:32:09
